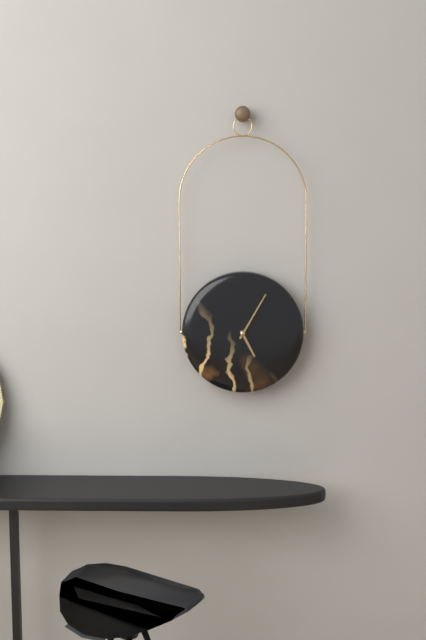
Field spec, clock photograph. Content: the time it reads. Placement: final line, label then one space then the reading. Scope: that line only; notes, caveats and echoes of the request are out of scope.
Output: 5:05
